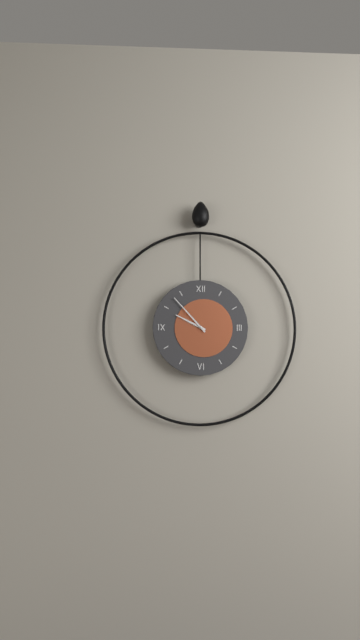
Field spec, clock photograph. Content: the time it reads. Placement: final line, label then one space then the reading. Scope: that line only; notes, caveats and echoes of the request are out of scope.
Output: 9:53
